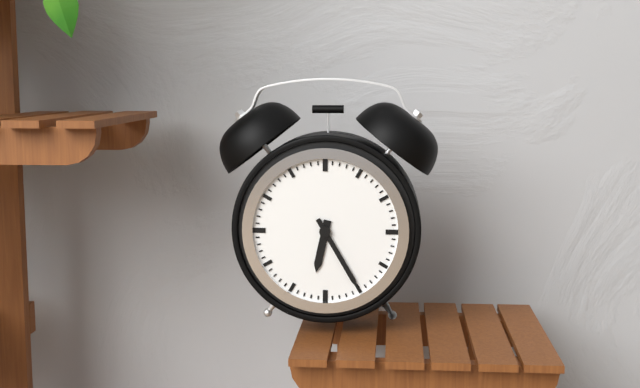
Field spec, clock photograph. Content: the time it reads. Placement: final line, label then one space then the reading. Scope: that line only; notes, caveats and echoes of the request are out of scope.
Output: 6:25
